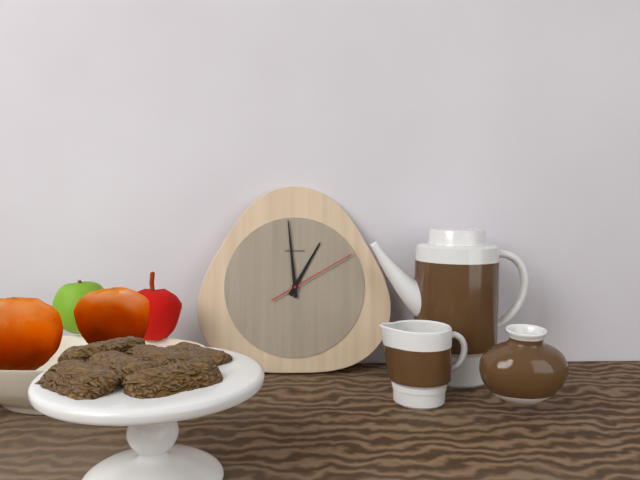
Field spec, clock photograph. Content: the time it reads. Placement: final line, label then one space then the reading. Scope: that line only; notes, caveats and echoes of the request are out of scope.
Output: 12:59:10
